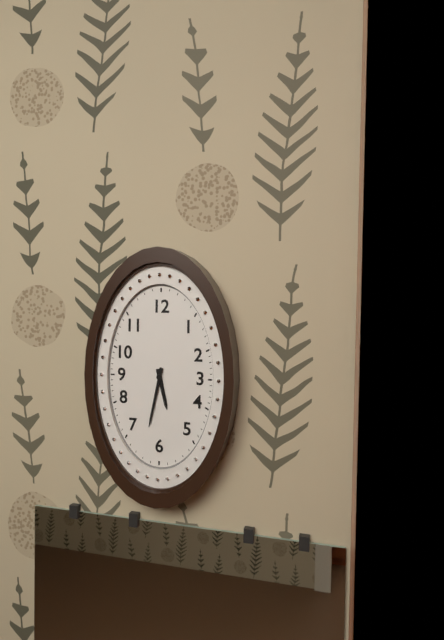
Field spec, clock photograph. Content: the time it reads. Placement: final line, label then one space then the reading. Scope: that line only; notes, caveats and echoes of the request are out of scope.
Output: 5:32
